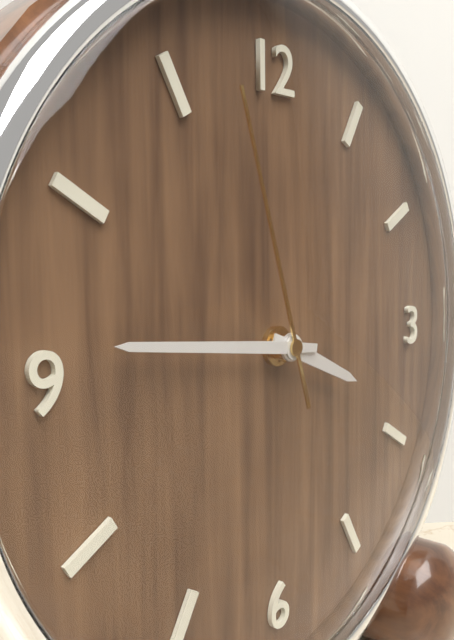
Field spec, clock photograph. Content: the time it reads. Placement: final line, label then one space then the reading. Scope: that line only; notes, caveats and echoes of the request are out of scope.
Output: 3:46:57
